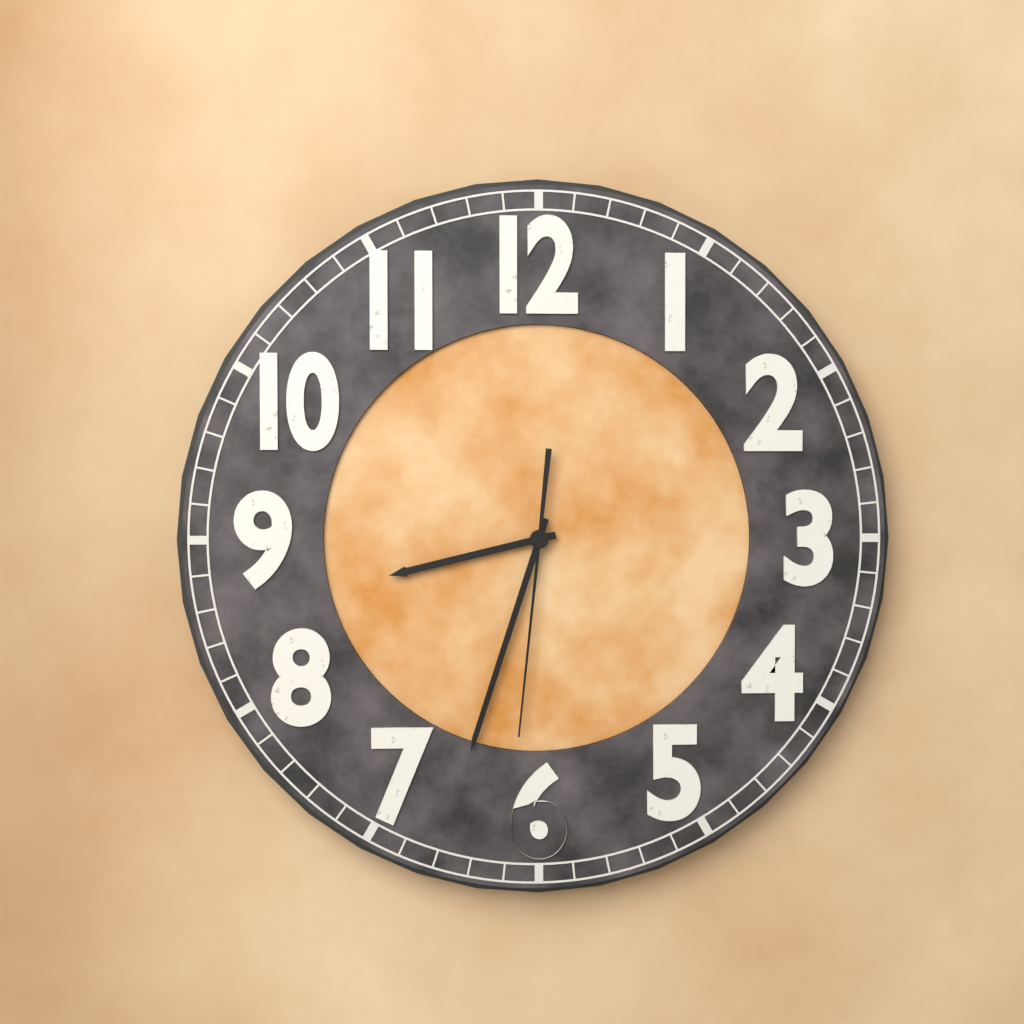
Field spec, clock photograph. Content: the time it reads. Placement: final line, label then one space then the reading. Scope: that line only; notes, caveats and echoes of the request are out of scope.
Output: 8:33:31
